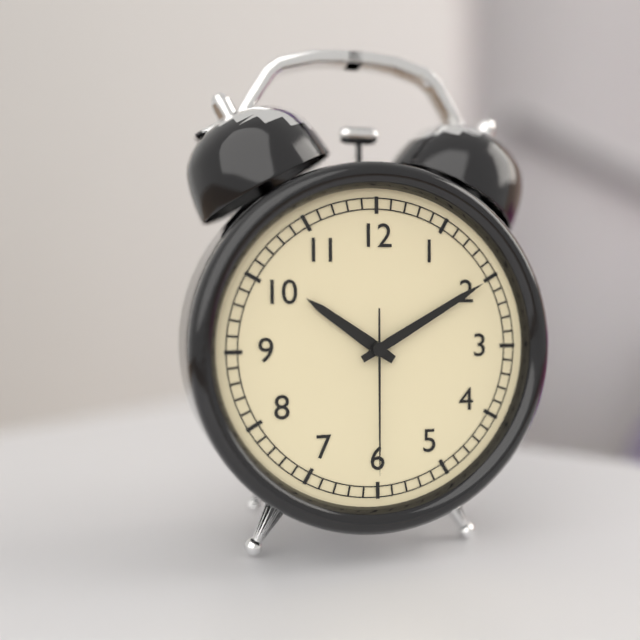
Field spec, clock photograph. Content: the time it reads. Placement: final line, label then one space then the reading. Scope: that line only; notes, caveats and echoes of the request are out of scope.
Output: 10:10:30
